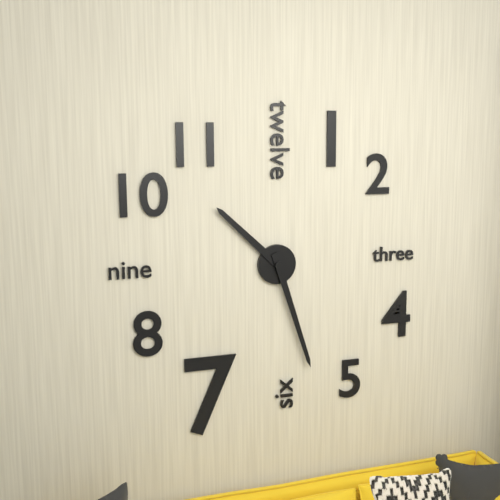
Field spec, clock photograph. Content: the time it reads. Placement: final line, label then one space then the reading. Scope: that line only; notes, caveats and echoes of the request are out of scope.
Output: 10:27
